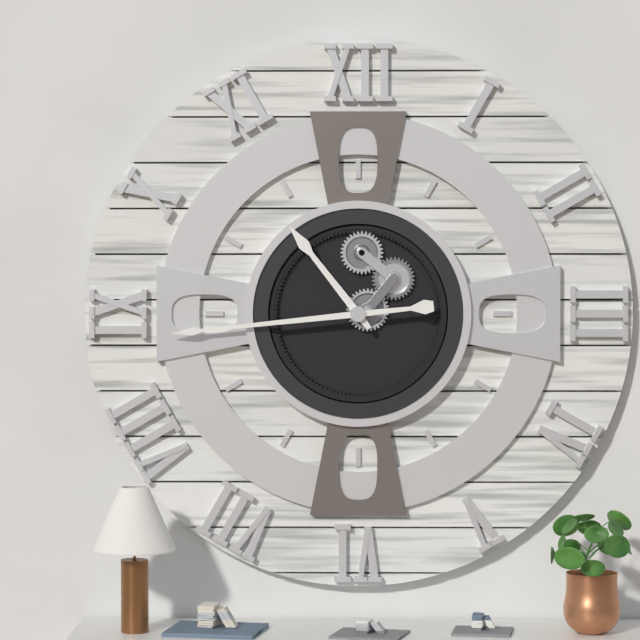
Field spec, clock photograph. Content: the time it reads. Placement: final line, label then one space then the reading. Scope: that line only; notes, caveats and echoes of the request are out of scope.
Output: 10:44
